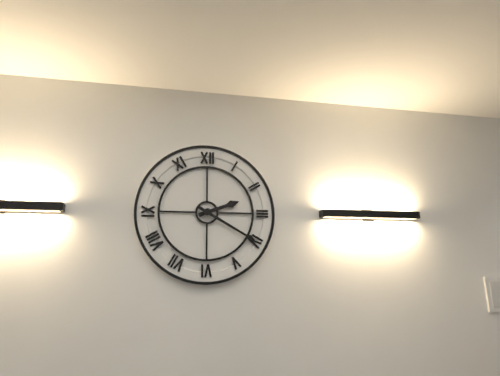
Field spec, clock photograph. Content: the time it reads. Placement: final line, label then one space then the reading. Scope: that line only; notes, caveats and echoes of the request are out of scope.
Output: 2:20
